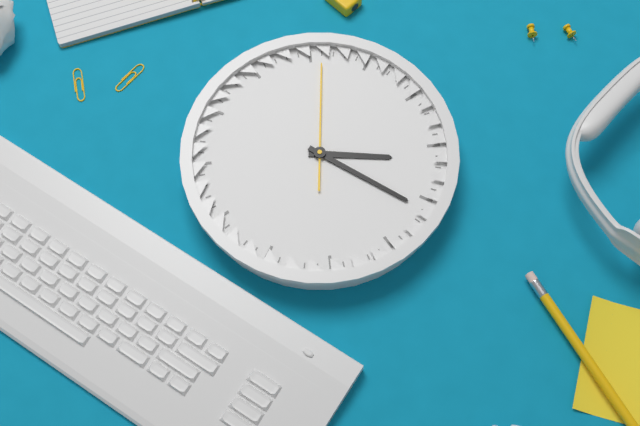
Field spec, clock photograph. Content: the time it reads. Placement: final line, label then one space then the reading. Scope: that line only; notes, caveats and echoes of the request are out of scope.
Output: 2:16:56
